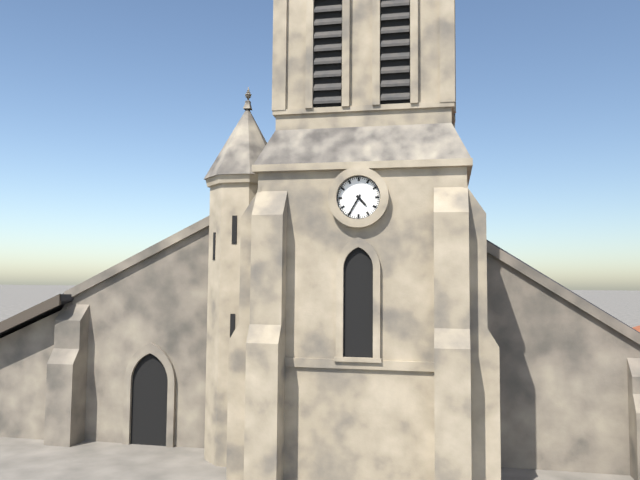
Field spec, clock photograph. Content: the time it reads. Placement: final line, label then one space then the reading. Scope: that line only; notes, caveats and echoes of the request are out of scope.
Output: 4:35
